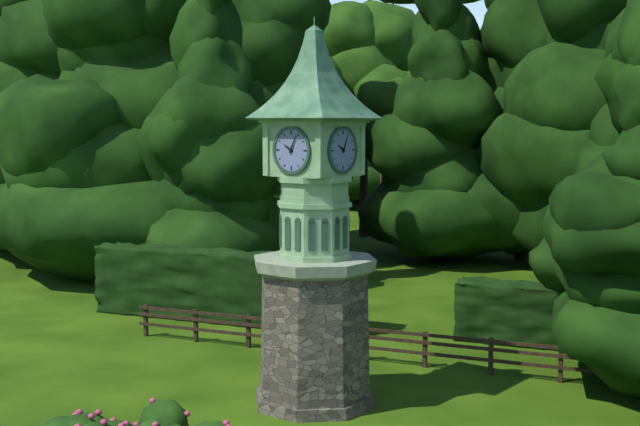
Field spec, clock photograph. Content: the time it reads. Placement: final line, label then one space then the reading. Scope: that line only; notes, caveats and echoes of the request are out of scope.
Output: 10:04
